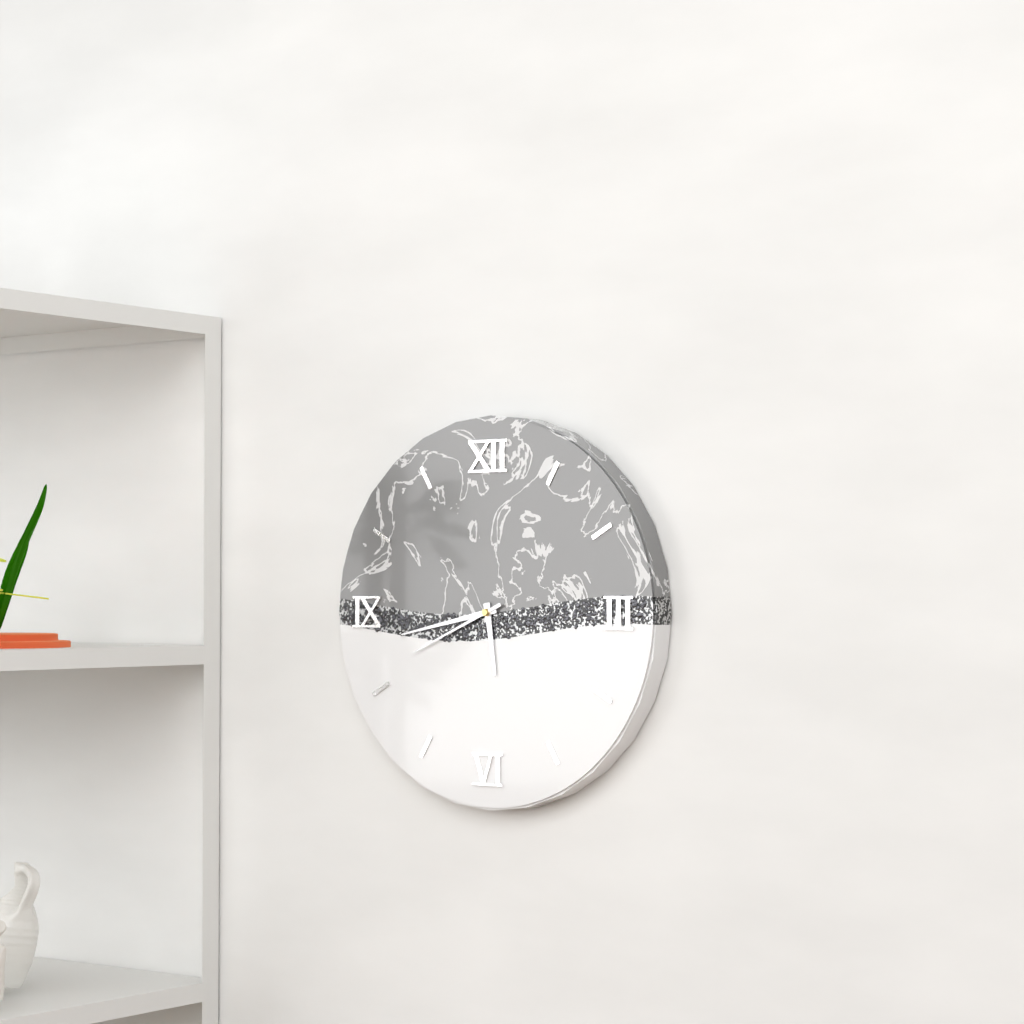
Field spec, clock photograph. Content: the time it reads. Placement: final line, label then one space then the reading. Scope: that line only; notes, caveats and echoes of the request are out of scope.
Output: 5:43:41
